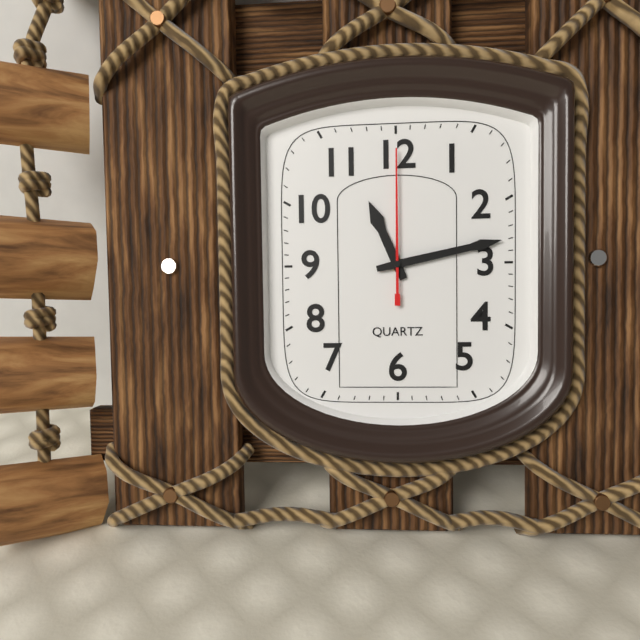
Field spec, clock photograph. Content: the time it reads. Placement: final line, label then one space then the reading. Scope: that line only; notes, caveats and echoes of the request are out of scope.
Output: 11:13:00
